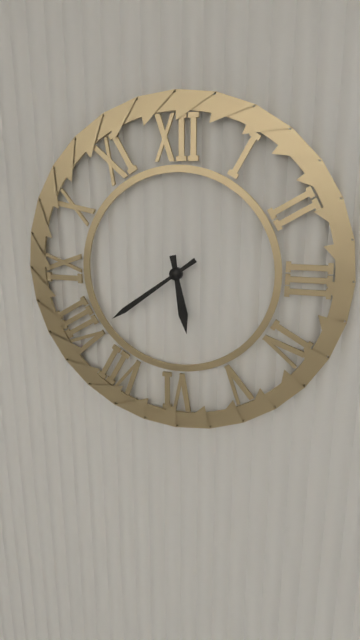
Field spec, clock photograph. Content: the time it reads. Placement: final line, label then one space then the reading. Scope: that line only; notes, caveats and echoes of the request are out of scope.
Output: 5:39
